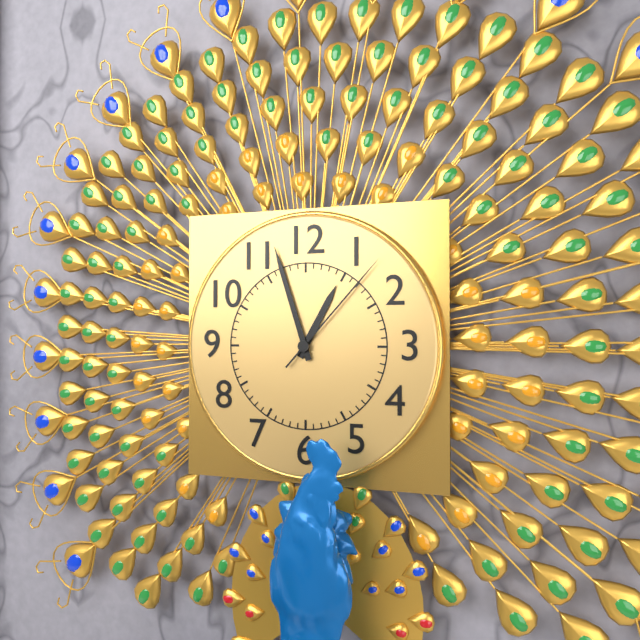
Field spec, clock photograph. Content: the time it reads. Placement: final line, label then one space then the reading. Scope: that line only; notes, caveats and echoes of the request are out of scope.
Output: 12:57:07
